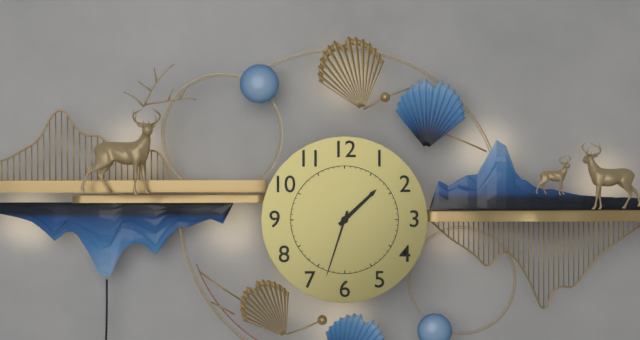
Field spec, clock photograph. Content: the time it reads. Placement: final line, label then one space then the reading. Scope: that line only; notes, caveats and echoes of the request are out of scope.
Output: 1:33
